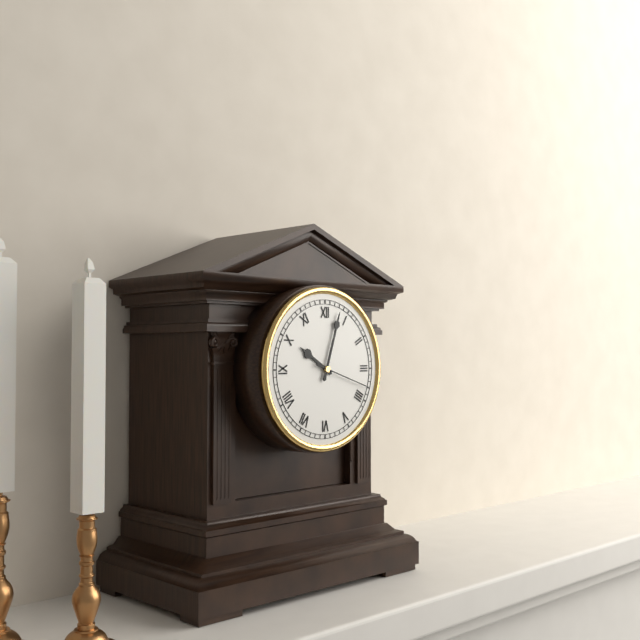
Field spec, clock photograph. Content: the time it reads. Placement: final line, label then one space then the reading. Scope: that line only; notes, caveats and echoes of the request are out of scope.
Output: 10:03:18
